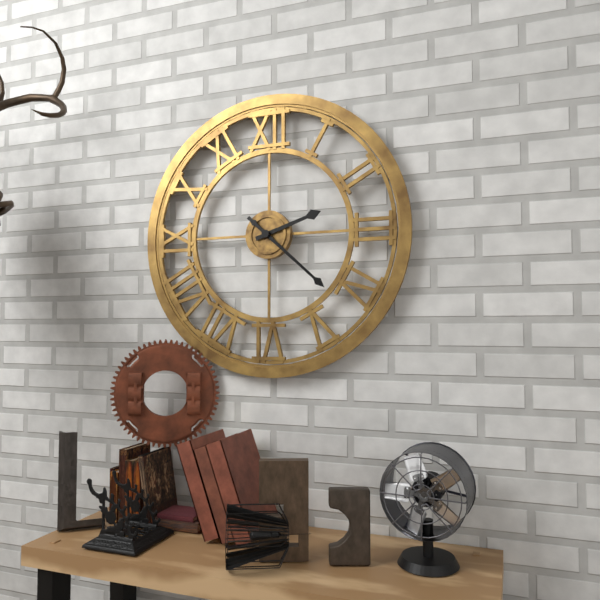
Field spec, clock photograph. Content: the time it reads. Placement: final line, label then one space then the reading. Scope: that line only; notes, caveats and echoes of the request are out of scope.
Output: 2:22
